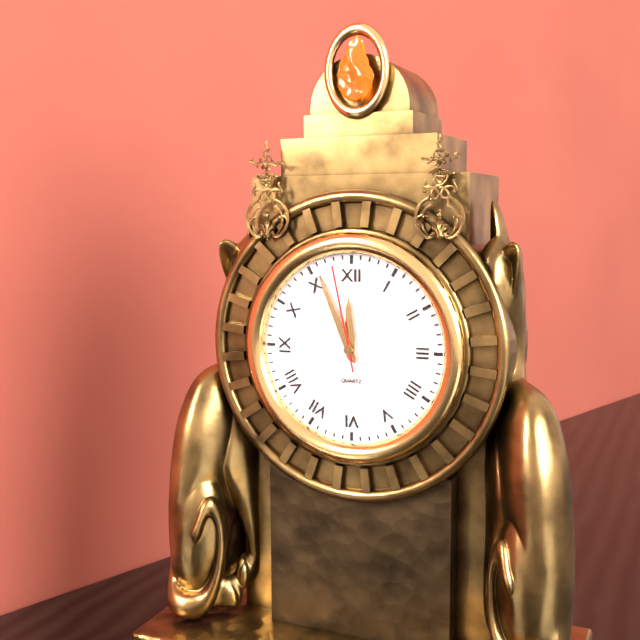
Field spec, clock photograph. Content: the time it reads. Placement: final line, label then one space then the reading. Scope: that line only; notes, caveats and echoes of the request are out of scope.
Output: 11:56:58
